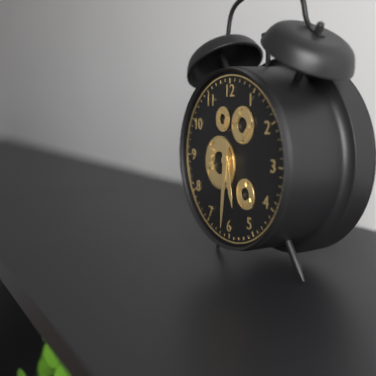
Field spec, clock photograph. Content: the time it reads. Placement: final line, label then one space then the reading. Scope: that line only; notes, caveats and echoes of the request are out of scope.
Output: 5:31
